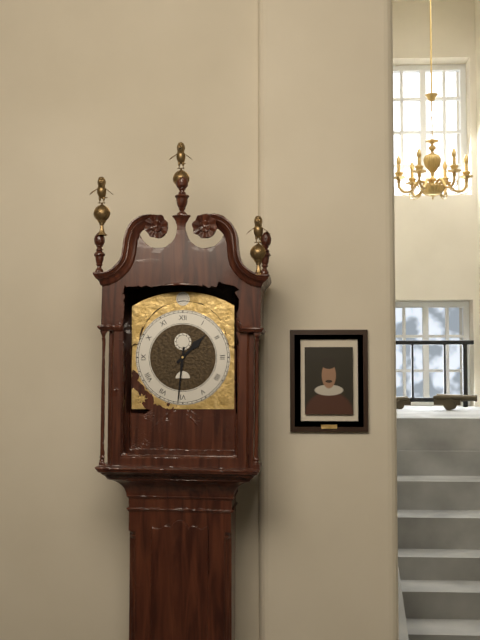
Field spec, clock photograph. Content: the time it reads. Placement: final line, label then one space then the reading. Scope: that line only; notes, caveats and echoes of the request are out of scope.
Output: 1:31
